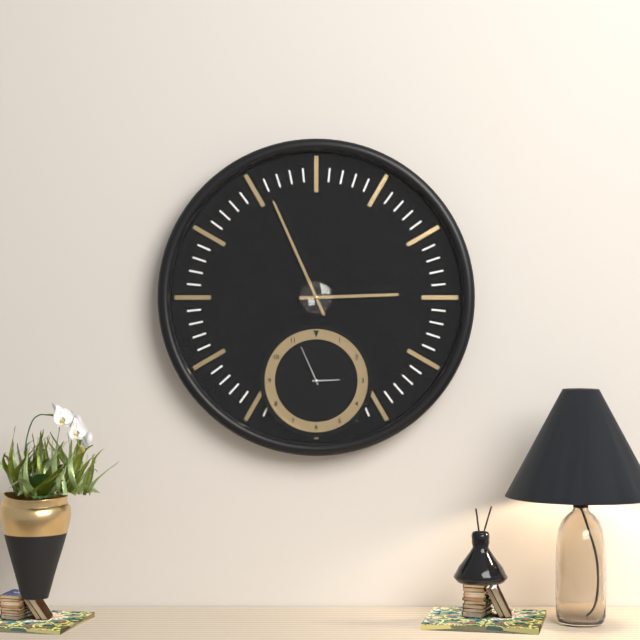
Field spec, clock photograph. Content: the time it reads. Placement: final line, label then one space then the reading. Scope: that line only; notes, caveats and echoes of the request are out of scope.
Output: 2:56
